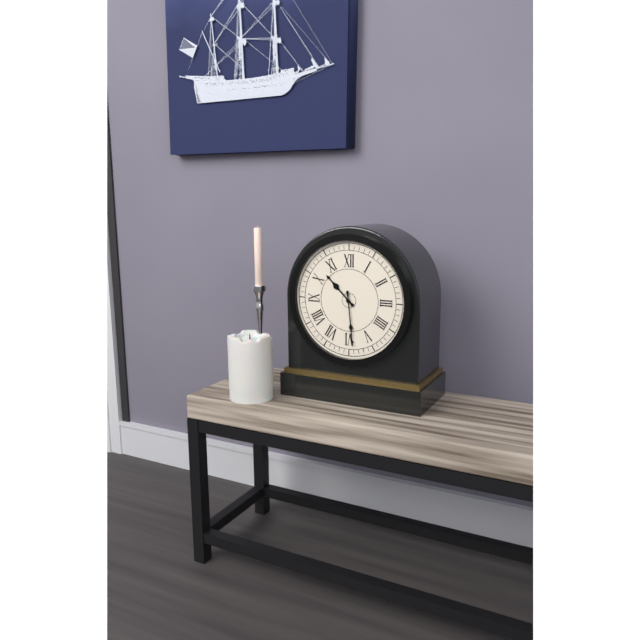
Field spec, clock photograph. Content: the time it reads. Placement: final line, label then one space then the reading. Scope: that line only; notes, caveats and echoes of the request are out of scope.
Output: 10:29
